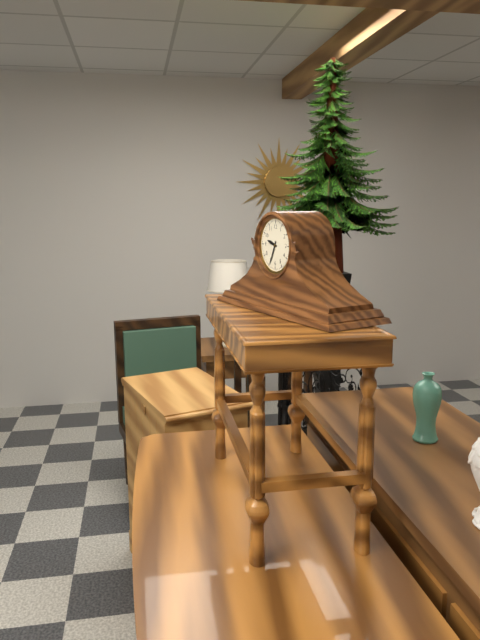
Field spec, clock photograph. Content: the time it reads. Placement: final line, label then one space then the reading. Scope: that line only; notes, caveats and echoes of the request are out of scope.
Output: 9:34
